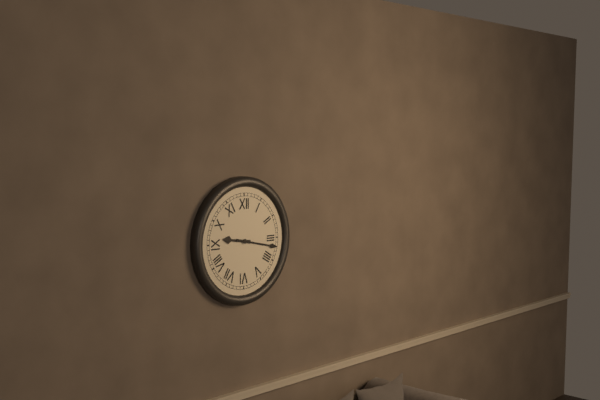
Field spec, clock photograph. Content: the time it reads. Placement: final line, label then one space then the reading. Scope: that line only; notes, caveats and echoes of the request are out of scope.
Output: 9:17
